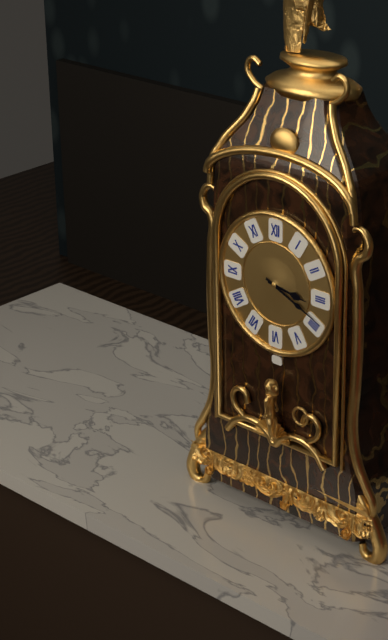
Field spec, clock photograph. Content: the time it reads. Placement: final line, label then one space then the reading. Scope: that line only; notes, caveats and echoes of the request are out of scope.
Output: 3:19
